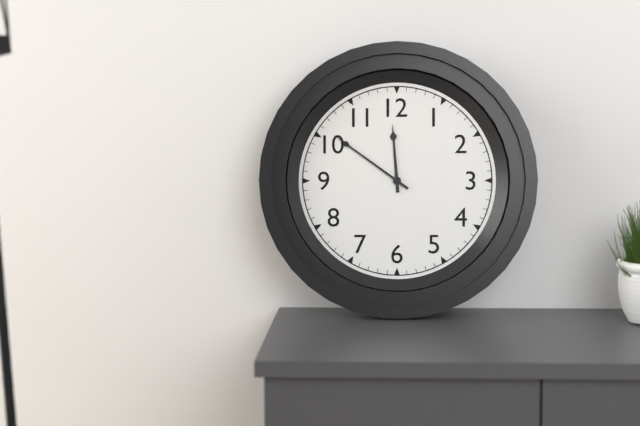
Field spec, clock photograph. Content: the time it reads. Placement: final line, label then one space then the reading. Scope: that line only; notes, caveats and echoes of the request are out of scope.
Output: 11:51
